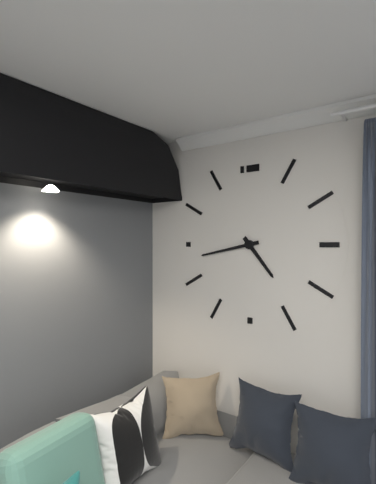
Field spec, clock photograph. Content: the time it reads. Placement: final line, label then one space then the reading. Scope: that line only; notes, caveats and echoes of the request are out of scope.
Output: 4:43
